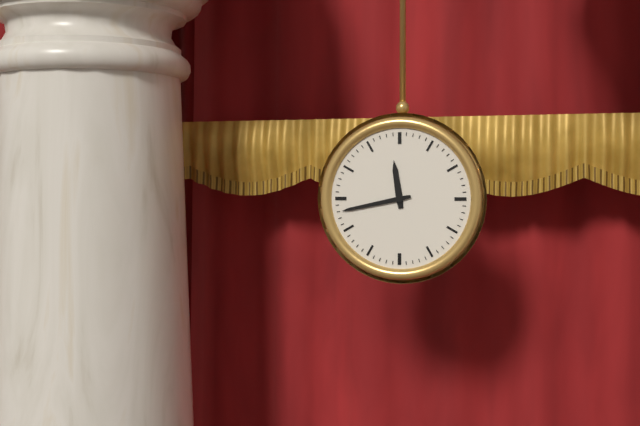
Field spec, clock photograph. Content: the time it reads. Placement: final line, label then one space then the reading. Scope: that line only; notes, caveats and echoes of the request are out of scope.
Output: 11:43
